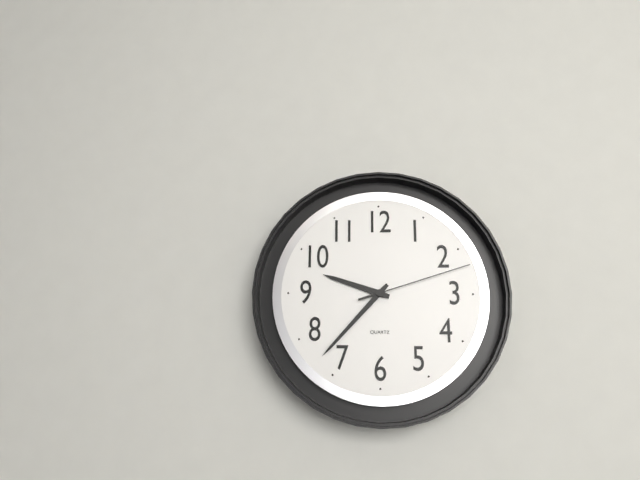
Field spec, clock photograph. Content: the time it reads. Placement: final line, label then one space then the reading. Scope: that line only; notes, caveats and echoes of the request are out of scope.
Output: 9:37:12
